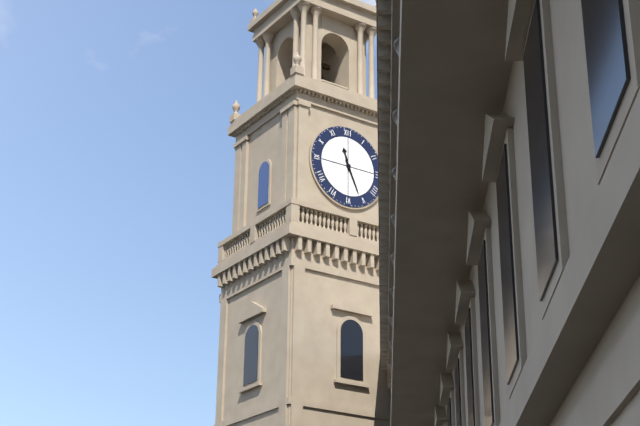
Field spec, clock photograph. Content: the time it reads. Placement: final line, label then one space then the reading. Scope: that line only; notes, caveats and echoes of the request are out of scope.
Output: 11:26
